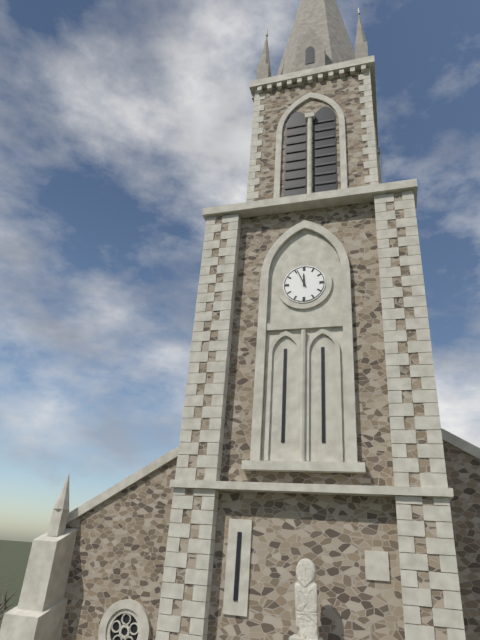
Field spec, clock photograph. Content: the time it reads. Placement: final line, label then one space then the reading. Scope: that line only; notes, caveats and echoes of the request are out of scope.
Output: 11:56
